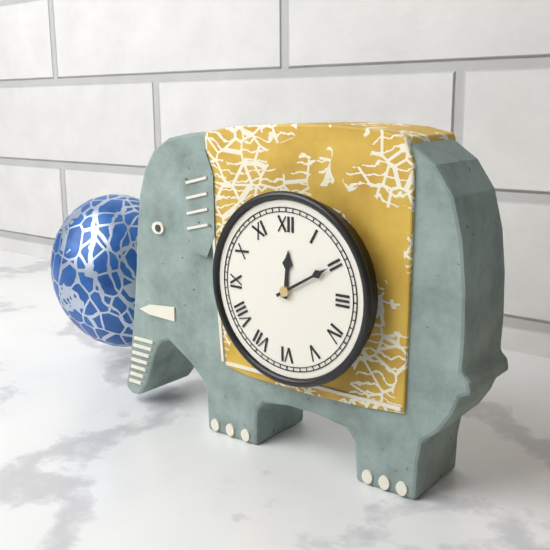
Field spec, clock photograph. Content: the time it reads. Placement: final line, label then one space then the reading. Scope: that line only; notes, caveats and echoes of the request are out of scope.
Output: 12:10
